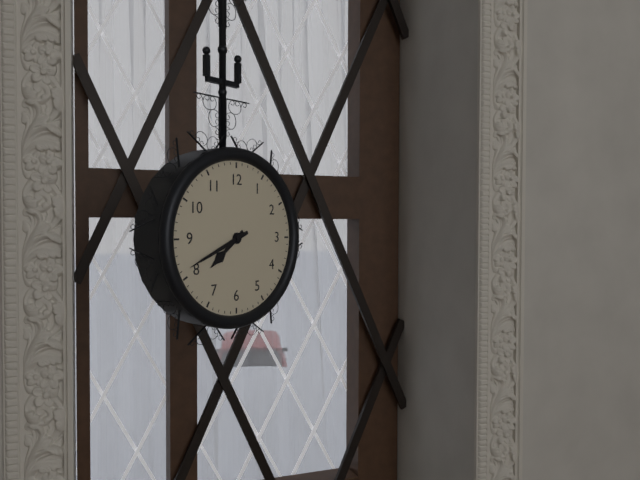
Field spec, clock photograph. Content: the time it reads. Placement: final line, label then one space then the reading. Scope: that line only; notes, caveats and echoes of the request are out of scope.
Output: 7:41
